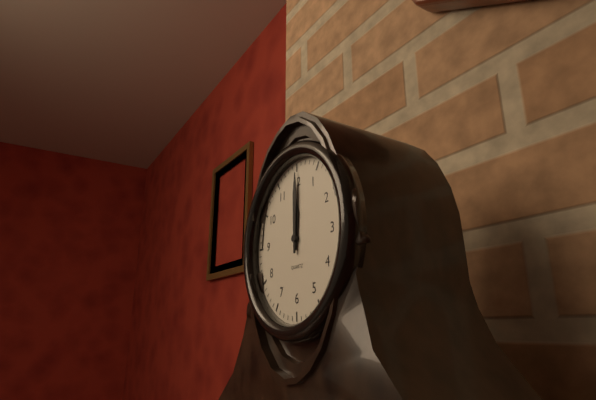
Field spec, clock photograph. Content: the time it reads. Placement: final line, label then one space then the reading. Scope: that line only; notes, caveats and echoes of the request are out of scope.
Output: 12:00
